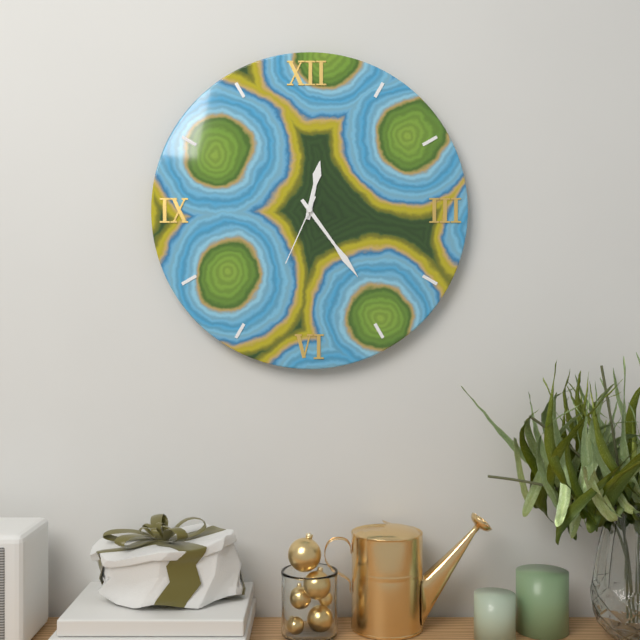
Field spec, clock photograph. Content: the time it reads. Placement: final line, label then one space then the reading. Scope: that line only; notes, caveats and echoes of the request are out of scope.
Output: 12:24:34
